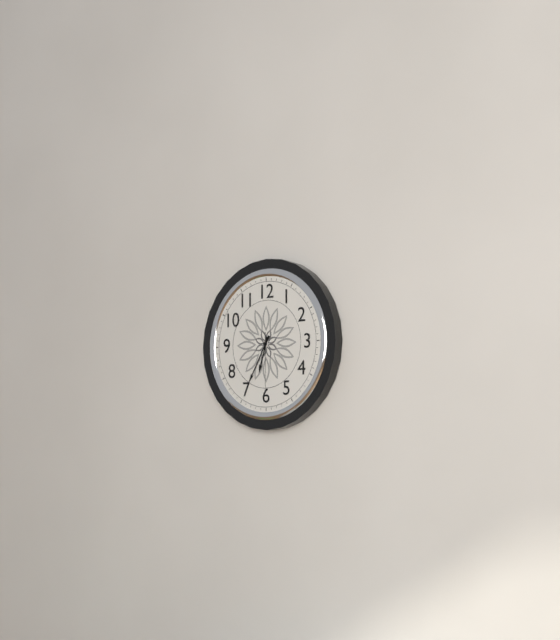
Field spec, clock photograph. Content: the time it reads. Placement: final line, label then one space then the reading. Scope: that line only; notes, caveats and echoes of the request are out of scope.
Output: 6:35:30
